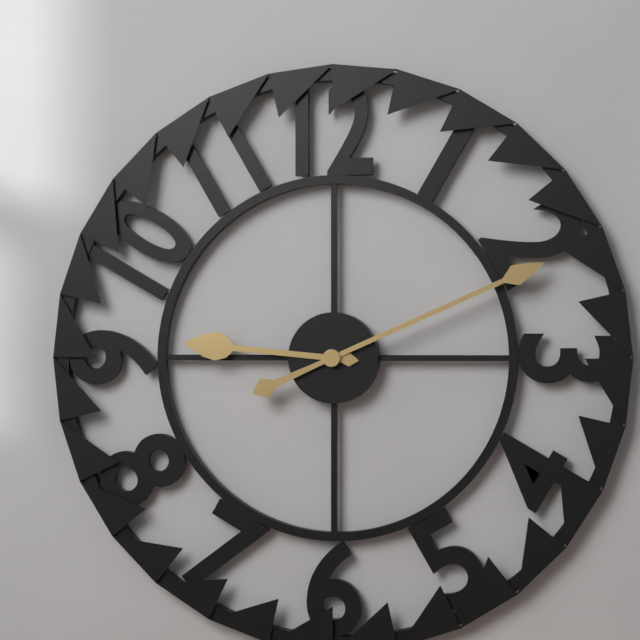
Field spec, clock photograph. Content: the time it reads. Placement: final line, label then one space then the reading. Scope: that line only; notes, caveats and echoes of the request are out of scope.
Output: 9:11
